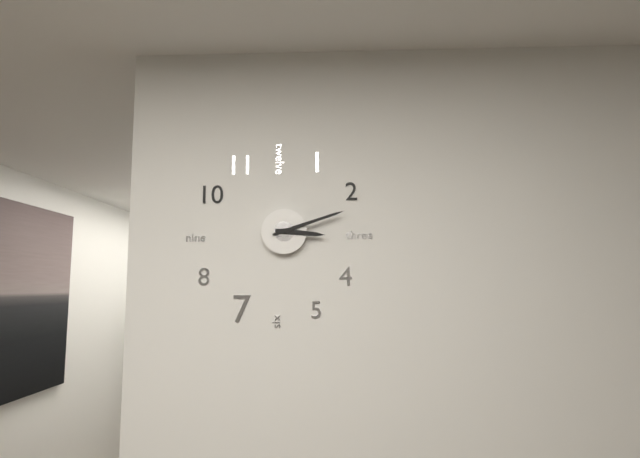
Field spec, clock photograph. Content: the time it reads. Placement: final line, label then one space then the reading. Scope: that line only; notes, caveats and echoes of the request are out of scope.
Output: 3:12
